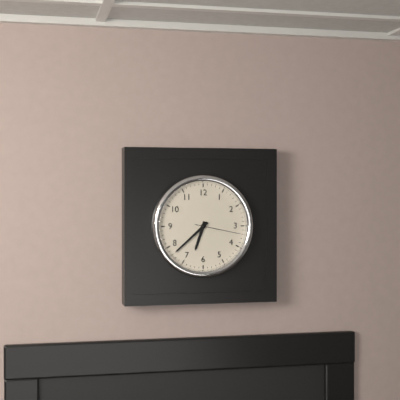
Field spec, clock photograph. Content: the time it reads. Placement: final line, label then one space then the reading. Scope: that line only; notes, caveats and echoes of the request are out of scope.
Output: 6:38
